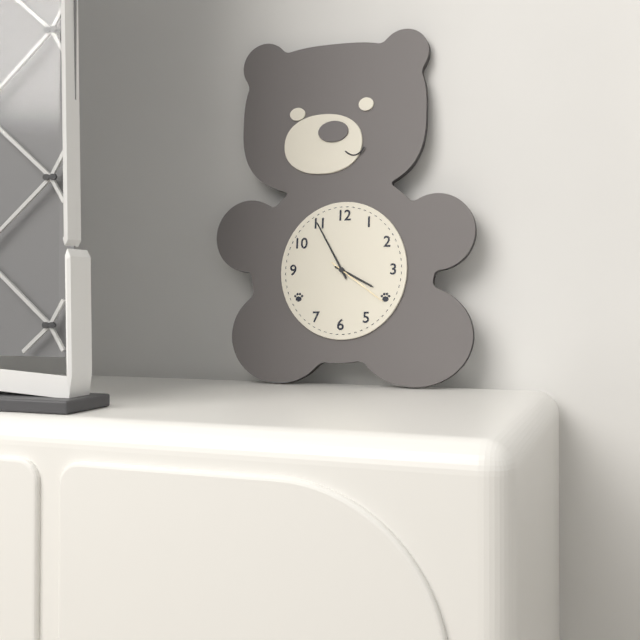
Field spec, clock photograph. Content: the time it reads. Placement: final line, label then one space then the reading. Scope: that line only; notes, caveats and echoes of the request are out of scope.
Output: 3:55:21
